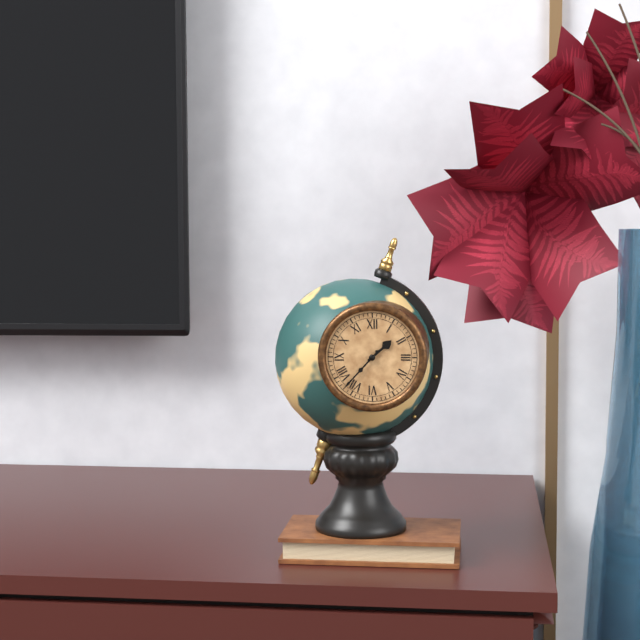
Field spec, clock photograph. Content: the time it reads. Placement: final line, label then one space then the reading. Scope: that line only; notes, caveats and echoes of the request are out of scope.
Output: 1:37
